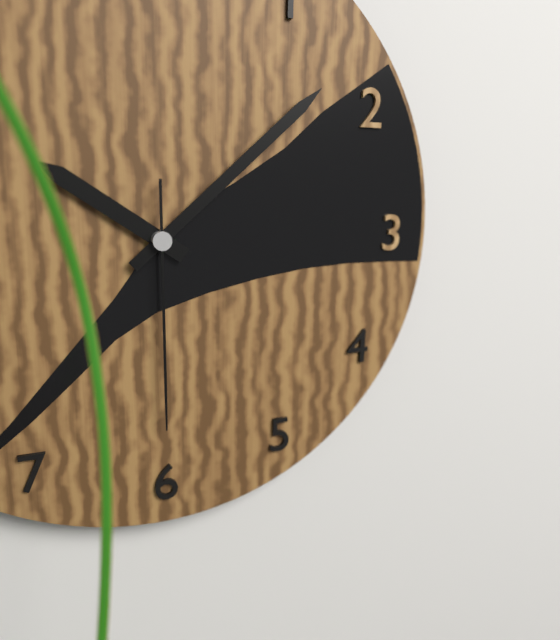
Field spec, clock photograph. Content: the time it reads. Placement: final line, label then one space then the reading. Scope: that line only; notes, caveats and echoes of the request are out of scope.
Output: 10:08:30
